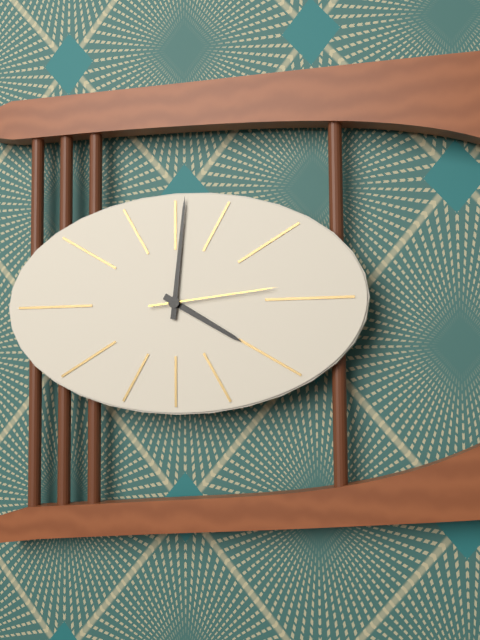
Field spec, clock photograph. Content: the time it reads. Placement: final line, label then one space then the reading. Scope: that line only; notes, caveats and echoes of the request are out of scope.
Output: 4:01:14
